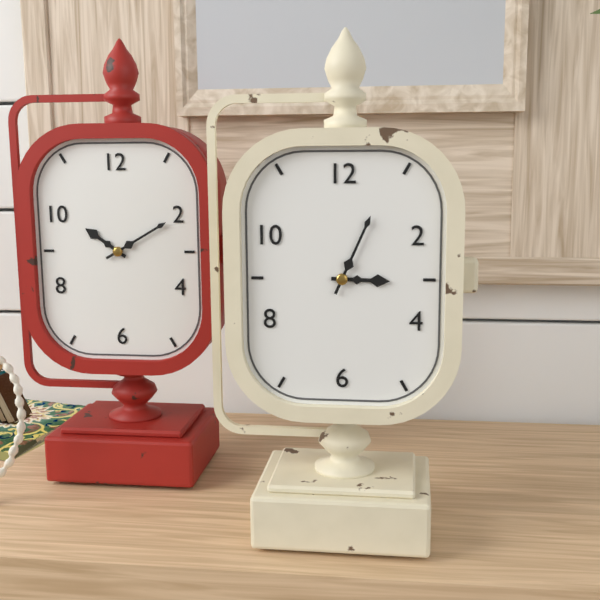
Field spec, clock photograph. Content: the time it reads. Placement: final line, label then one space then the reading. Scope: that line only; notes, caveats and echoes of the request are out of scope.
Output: 3:04
